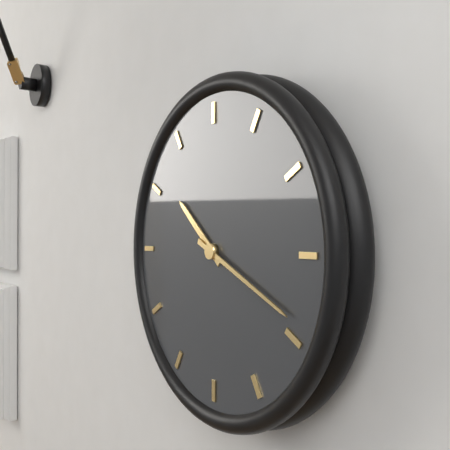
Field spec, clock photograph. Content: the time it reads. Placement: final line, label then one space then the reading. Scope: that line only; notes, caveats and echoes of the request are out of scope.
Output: 10:19
